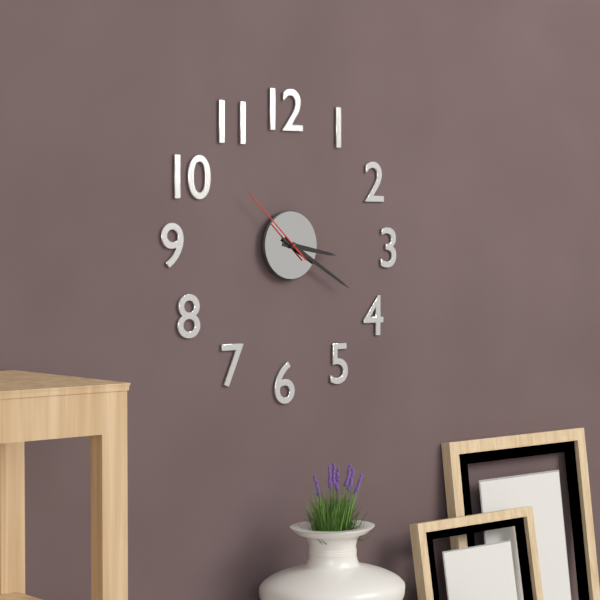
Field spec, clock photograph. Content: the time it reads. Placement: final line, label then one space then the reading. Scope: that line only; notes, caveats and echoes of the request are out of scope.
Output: 3:20:52
